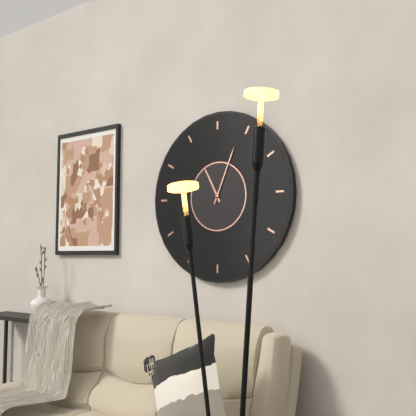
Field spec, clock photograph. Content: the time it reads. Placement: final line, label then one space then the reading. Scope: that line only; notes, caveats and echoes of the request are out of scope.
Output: 11:04
